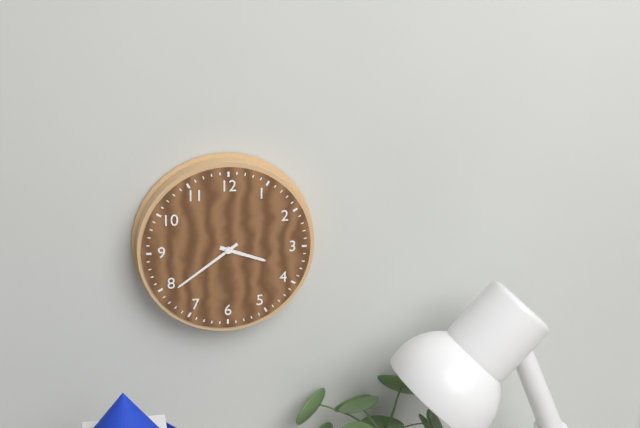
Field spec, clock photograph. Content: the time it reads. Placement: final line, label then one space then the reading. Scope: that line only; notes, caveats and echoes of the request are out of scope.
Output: 3:39
